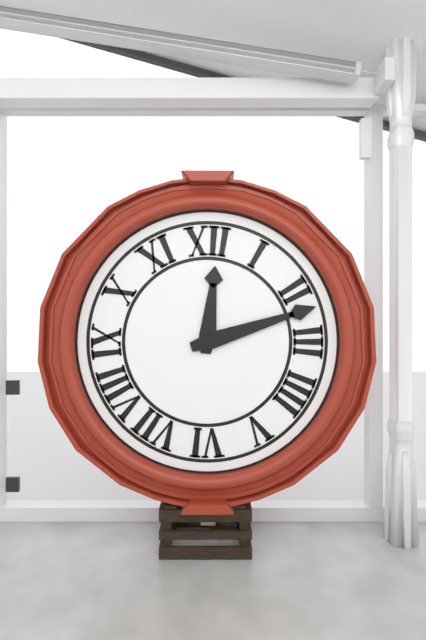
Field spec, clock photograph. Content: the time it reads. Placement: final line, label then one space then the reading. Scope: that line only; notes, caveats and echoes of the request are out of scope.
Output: 12:12
